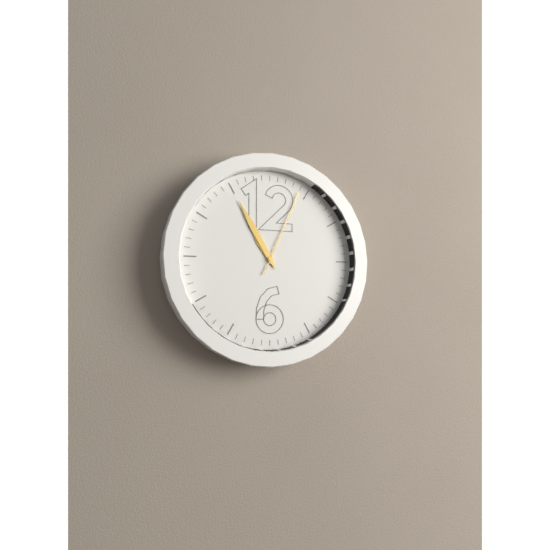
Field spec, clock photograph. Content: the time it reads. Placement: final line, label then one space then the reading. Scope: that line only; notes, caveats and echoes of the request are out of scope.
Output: 10:55:04
